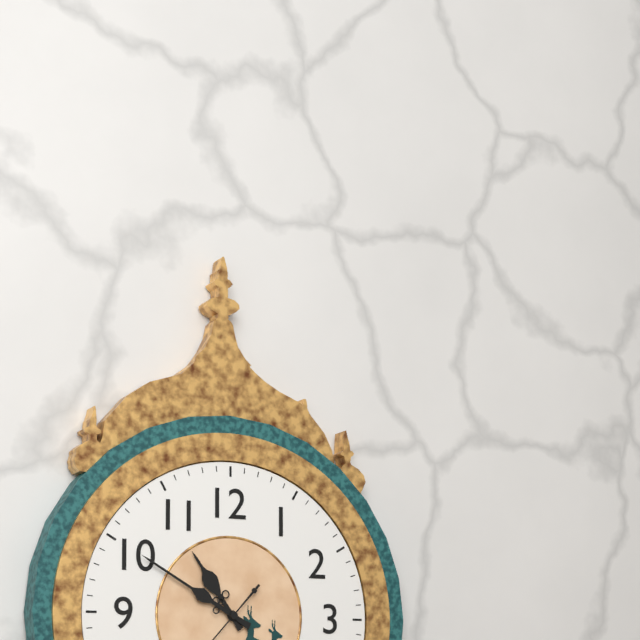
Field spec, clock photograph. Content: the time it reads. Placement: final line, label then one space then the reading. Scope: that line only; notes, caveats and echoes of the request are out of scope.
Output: 10:50
